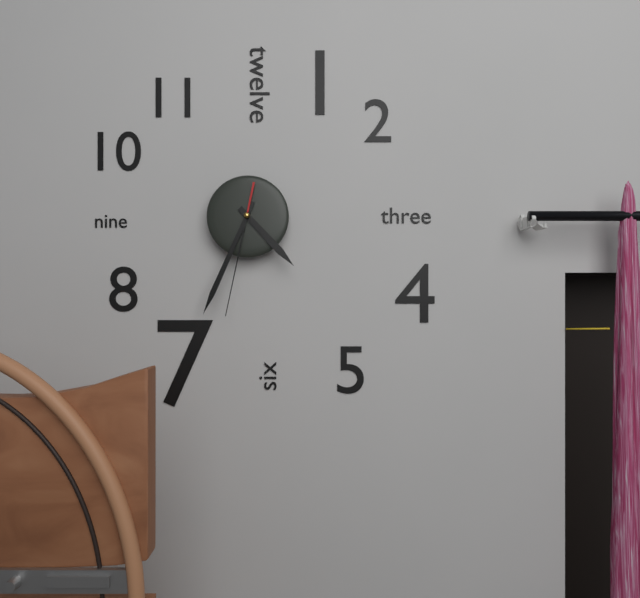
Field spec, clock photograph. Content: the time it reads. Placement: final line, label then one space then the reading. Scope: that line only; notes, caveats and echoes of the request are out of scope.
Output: 4:34:32
